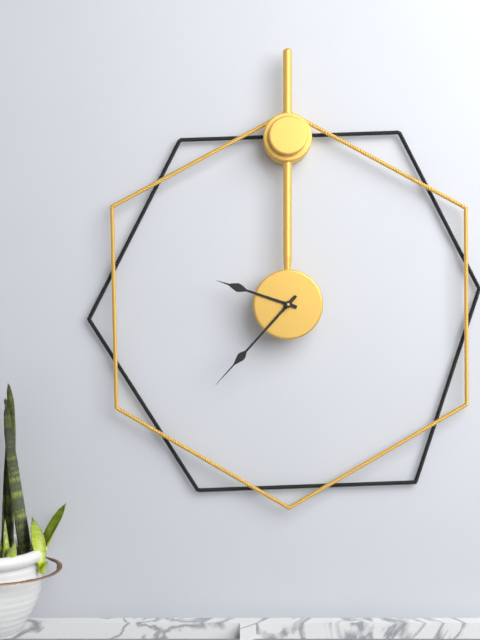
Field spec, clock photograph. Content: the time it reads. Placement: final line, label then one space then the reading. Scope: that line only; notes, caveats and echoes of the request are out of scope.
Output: 9:37
